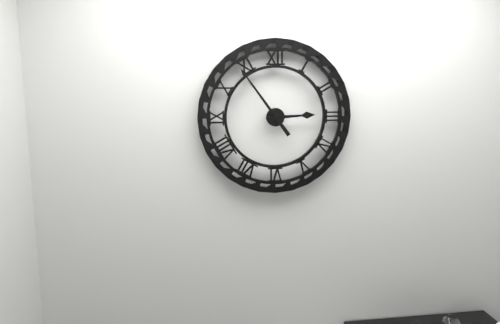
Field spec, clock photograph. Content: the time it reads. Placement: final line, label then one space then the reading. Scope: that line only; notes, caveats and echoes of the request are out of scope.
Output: 2:54
